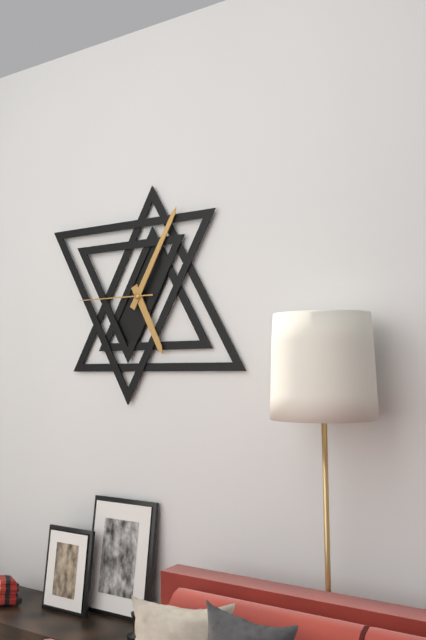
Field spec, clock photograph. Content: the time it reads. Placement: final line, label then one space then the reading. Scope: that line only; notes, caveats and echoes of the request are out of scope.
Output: 5:05:45
